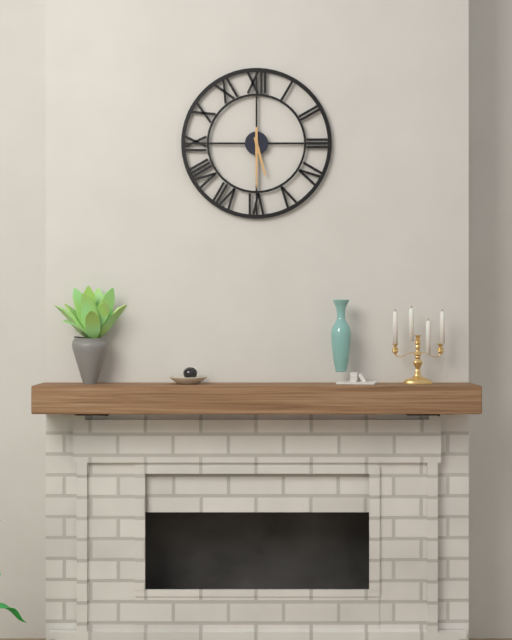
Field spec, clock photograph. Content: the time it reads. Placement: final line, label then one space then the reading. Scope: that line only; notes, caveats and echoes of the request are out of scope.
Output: 5:30
